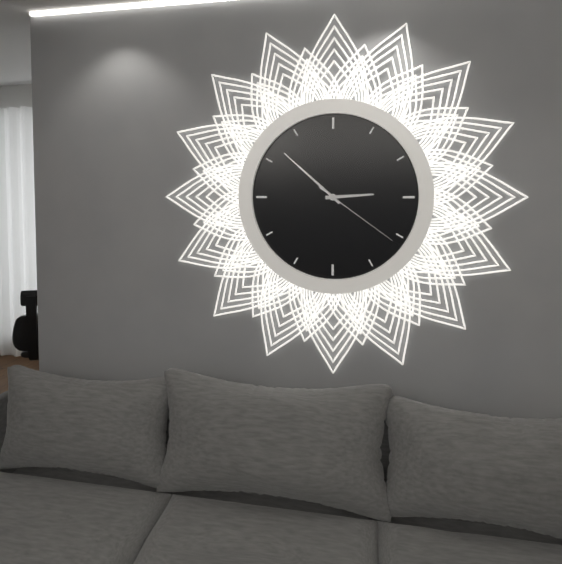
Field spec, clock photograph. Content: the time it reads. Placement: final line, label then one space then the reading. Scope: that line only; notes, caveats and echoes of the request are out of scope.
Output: 2:52:21
